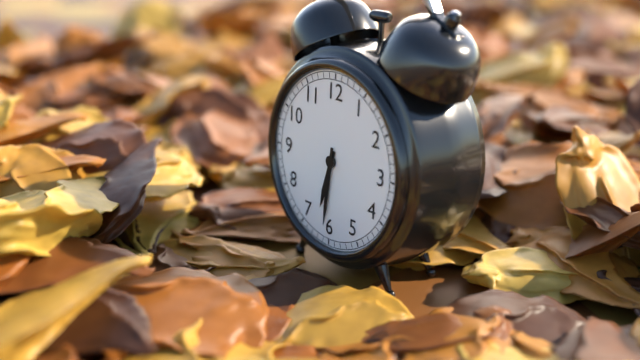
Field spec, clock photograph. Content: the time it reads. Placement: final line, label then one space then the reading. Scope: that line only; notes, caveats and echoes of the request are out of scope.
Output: 6:31
